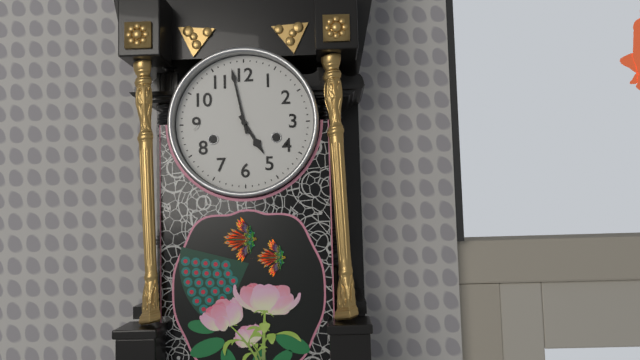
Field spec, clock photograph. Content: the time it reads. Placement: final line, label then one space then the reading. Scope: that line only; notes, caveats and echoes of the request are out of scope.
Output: 4:58
